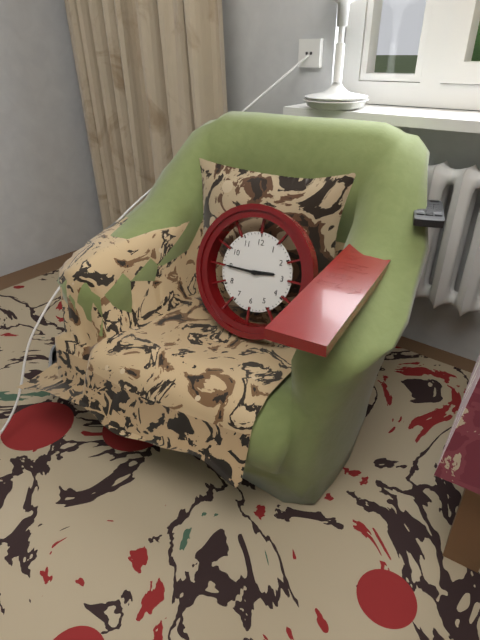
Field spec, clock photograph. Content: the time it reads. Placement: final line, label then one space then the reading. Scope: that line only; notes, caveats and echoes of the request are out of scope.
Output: 2:45
